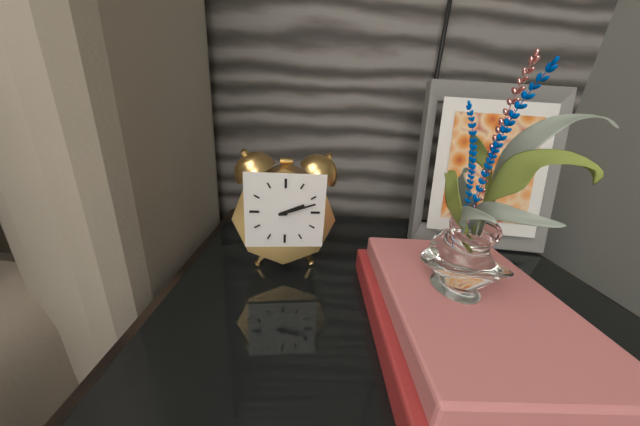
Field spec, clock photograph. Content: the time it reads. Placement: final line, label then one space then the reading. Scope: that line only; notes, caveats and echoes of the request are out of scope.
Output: 2:12
